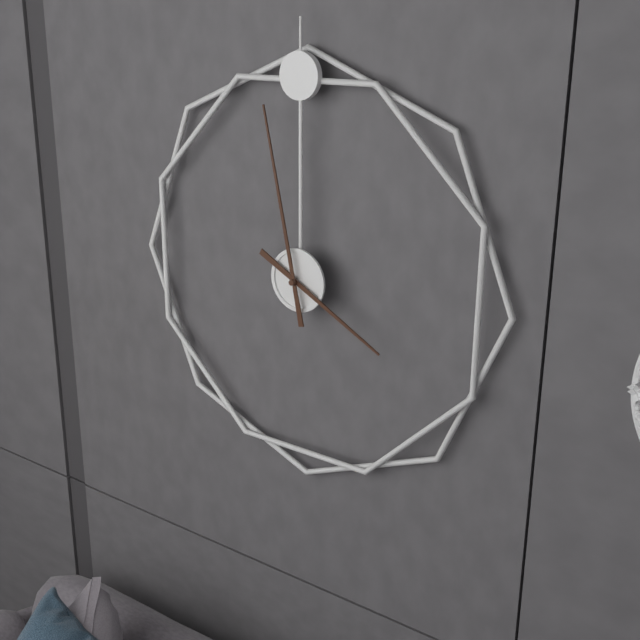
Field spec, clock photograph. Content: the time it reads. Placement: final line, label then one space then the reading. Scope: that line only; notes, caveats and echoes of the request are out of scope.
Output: 3:58
